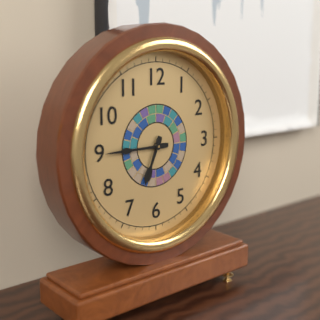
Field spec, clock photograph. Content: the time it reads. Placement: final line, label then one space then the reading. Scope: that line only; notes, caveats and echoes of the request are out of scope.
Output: 6:45
